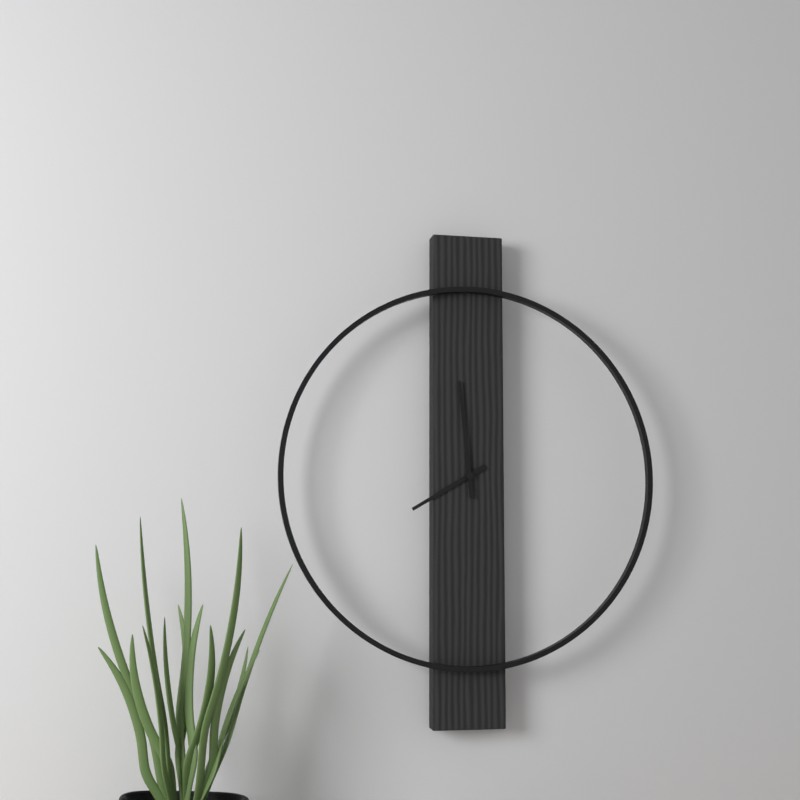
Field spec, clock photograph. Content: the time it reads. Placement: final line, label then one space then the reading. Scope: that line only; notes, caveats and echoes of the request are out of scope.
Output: 7:59
